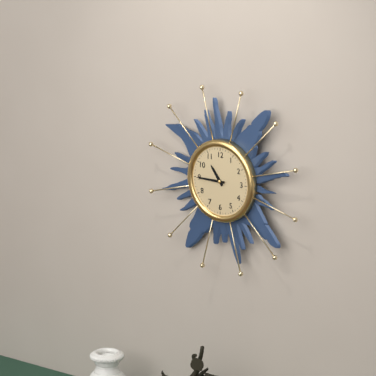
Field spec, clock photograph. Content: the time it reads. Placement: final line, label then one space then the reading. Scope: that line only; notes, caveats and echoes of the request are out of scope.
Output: 10:45
